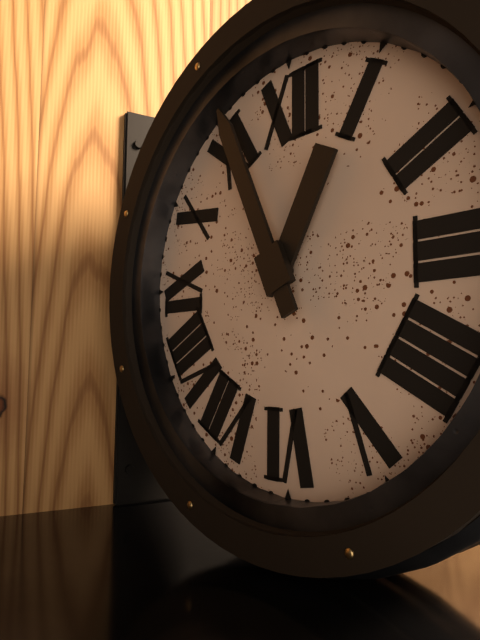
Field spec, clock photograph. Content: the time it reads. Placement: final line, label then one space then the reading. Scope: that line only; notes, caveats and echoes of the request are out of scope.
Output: 12:56
